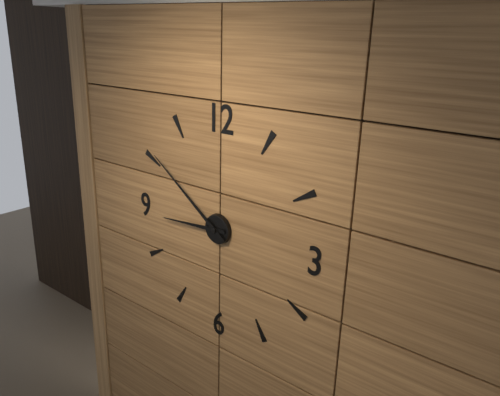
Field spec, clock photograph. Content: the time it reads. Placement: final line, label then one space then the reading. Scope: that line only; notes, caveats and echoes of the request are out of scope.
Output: 8:51
